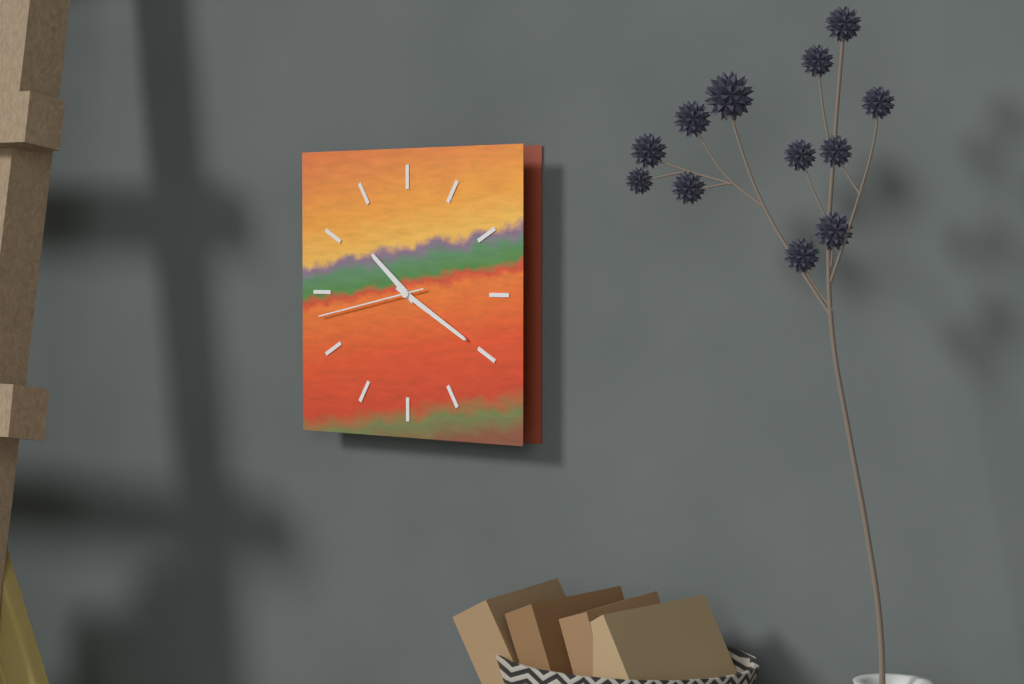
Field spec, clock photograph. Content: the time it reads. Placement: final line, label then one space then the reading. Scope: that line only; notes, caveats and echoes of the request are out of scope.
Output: 10:20:43
